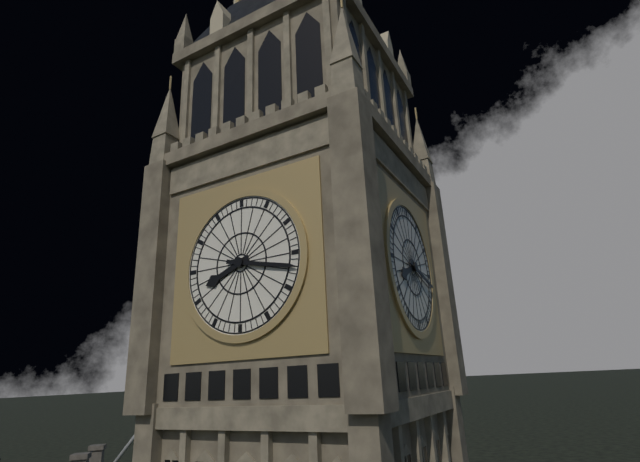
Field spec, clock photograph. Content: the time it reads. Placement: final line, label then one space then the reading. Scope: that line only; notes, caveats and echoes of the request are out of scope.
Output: 8:17
